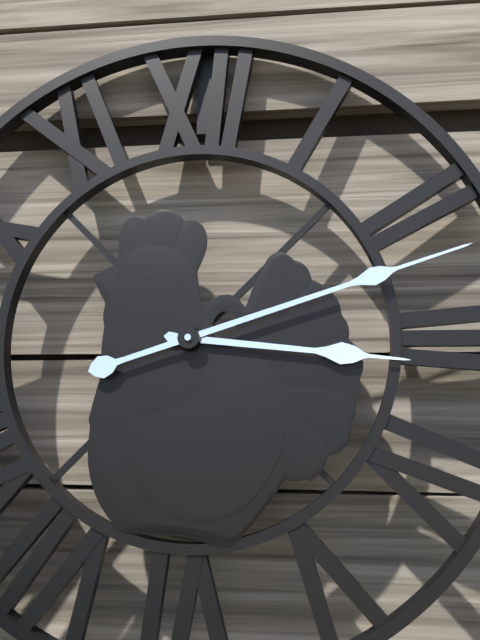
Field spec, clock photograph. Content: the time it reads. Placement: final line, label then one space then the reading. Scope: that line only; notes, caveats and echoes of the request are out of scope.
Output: 3:12
